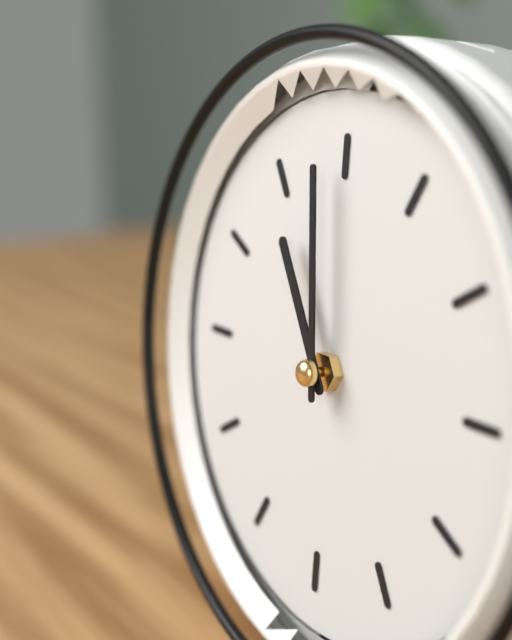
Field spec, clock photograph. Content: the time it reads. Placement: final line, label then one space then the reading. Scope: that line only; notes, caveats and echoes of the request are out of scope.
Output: 10:59
